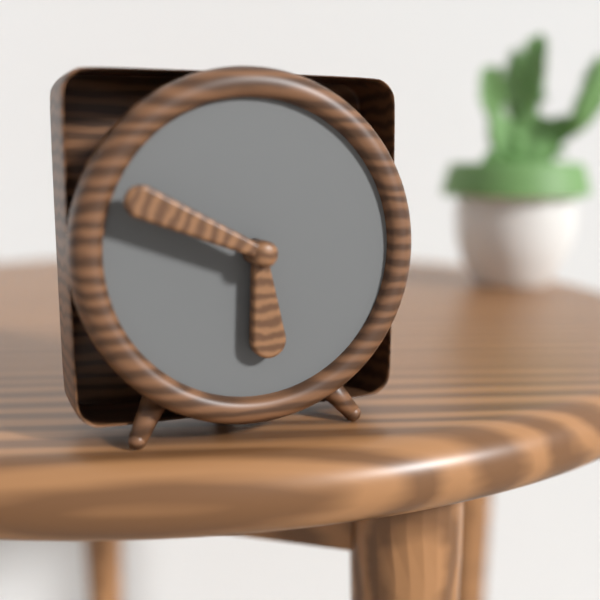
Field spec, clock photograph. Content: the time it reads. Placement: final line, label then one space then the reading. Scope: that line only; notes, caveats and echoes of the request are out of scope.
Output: 5:49
